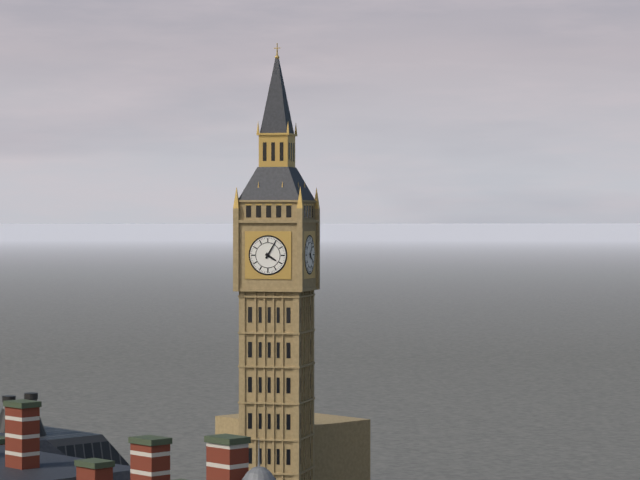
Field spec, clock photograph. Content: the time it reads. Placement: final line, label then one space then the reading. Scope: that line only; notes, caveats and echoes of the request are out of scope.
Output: 4:05
